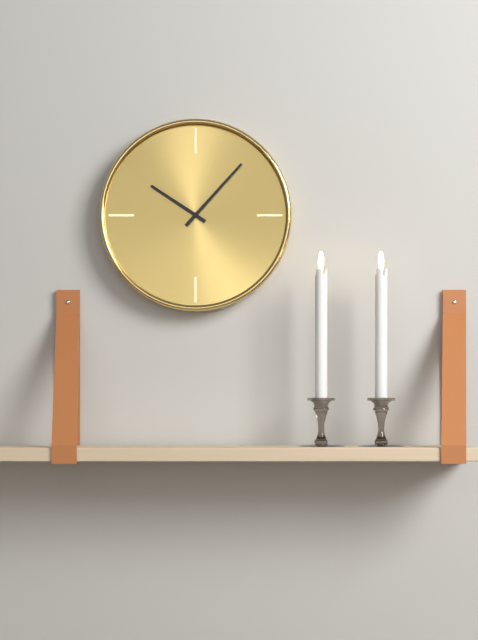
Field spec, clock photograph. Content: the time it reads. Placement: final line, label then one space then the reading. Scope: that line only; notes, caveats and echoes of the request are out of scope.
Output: 10:07
